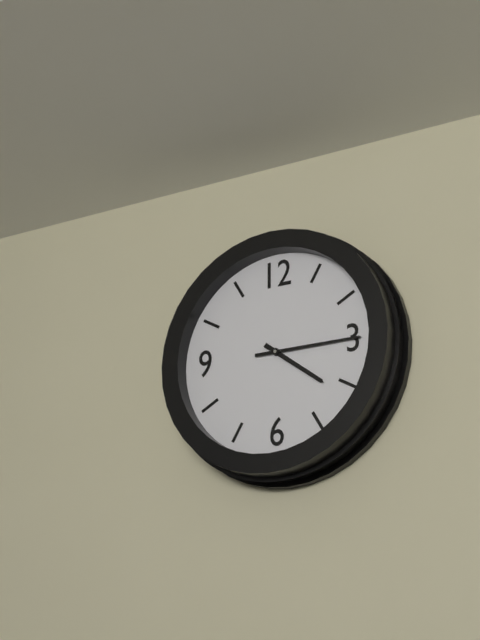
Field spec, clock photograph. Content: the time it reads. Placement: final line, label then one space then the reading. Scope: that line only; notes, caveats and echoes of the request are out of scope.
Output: 4:15
